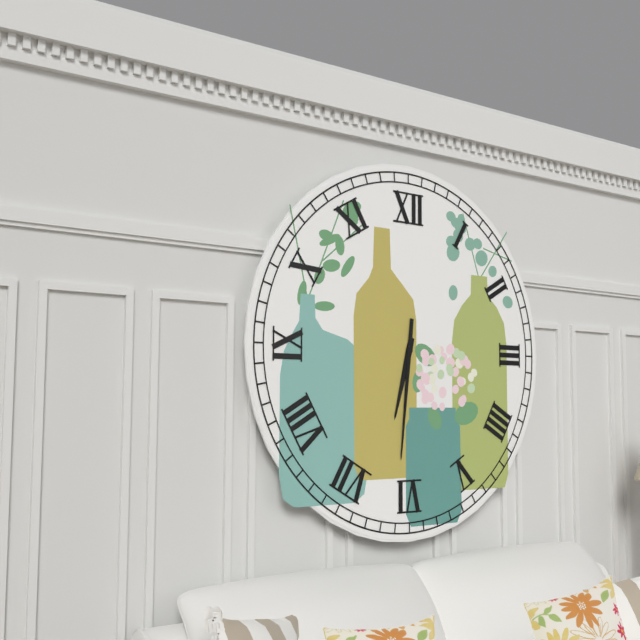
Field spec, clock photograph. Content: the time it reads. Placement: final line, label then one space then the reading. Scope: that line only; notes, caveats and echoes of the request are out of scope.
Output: 6:31
